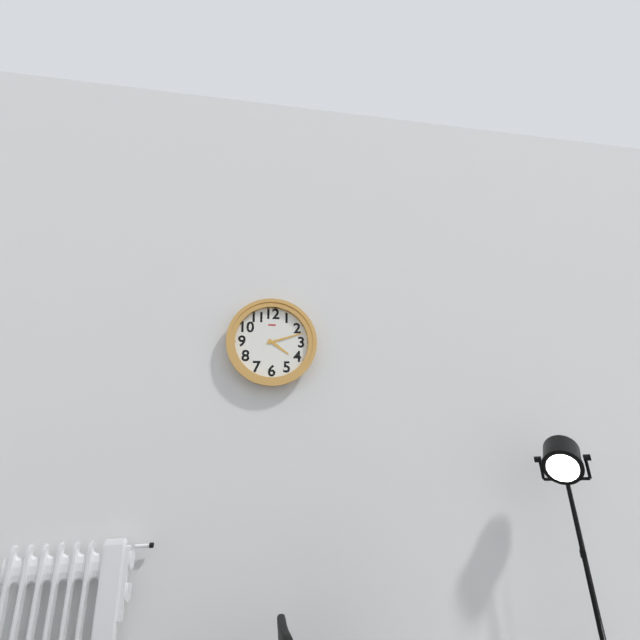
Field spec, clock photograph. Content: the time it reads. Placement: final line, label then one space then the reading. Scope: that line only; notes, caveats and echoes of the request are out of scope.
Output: 4:12
